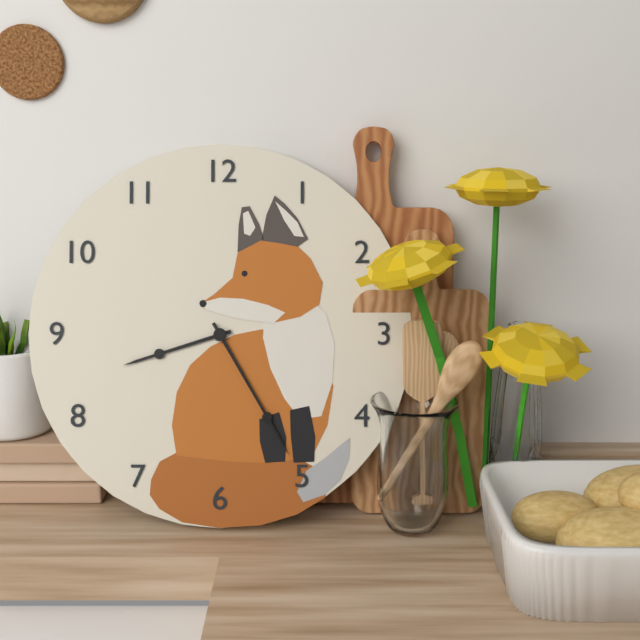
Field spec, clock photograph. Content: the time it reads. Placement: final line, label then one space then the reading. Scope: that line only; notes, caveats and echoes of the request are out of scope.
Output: 8:25
